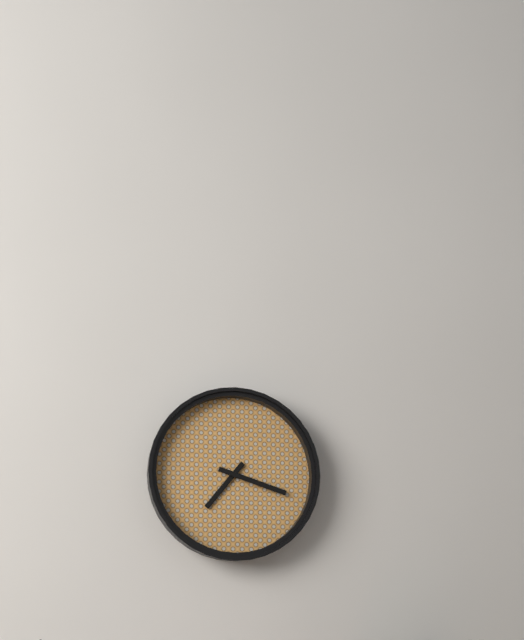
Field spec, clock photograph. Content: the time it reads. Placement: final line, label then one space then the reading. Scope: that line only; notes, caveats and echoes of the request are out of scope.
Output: 7:18
